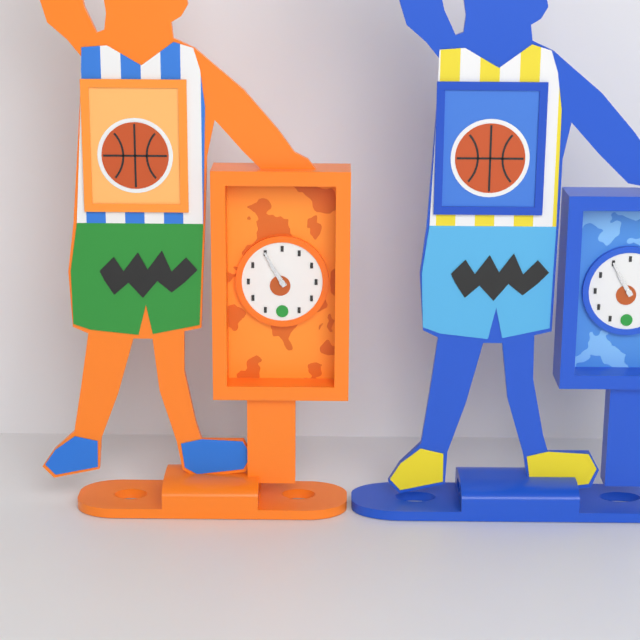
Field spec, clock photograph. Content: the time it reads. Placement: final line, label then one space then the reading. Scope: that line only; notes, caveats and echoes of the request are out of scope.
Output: 10:55
